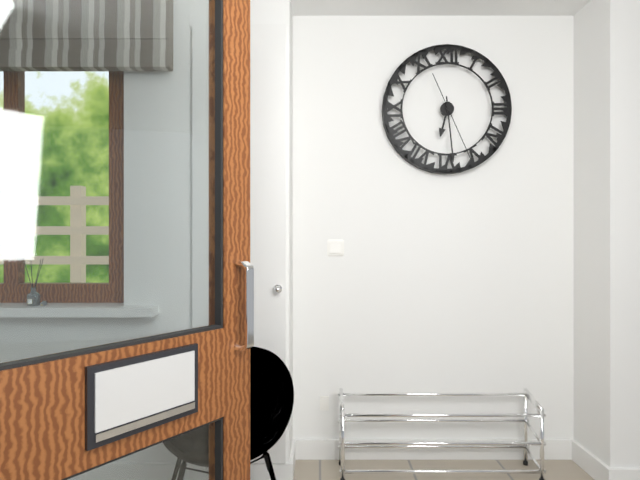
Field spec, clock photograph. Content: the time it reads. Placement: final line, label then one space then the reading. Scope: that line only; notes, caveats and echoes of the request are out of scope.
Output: 6:29:26
